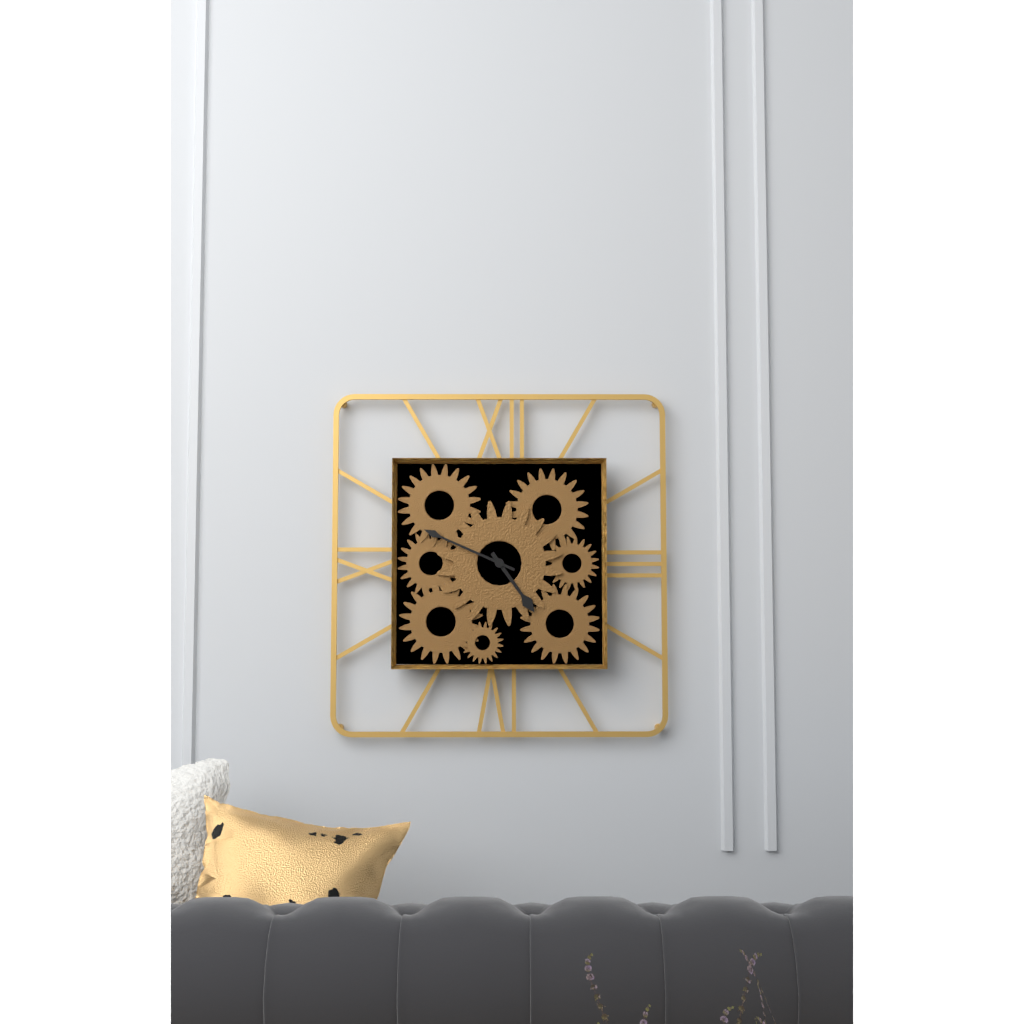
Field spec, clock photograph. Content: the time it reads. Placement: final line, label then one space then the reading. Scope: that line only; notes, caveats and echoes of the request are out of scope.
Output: 4:49
